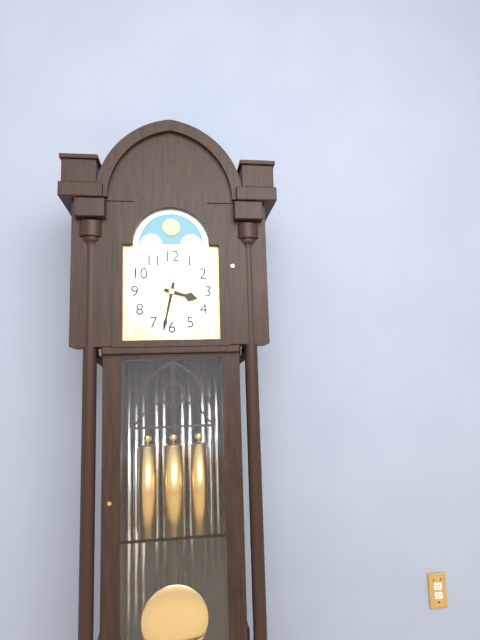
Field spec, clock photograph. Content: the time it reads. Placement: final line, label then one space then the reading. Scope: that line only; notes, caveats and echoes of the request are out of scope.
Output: 3:32
